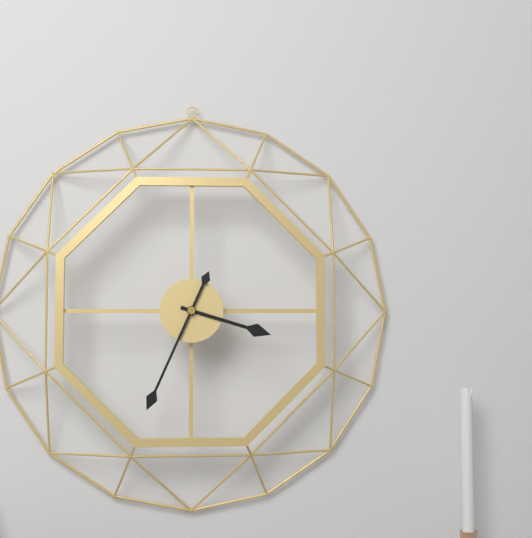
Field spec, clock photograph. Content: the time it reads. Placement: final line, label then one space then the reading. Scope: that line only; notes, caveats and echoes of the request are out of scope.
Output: 3:34
